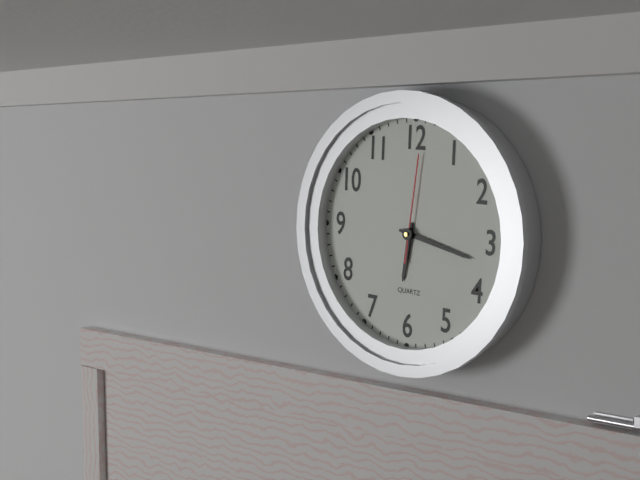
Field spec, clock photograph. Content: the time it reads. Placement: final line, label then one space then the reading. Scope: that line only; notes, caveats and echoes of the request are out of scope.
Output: 6:17:01
